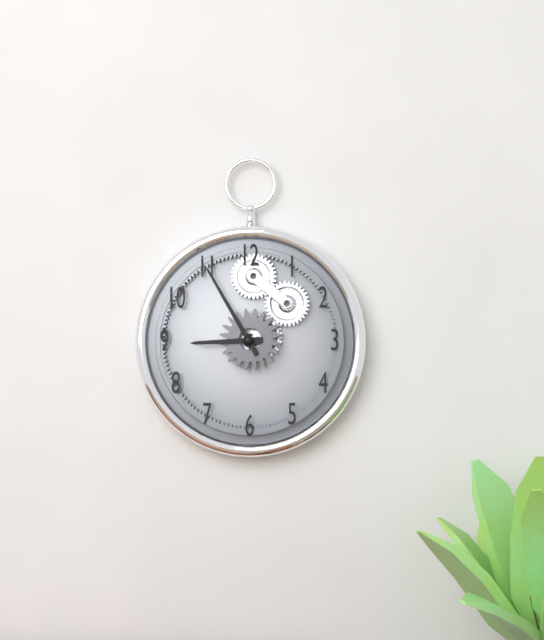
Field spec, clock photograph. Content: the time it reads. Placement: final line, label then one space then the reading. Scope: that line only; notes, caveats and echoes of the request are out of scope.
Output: 8:55
